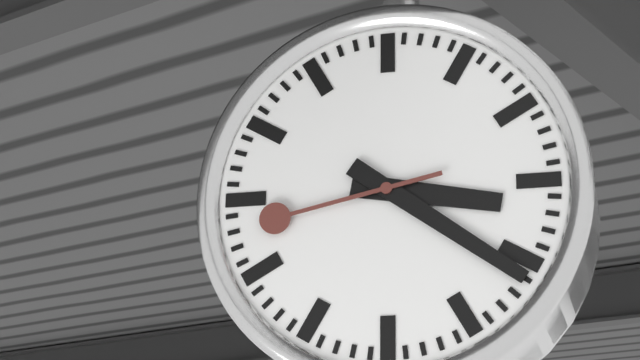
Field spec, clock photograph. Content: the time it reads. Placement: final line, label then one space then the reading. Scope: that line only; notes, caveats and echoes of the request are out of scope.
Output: 3:21:43
